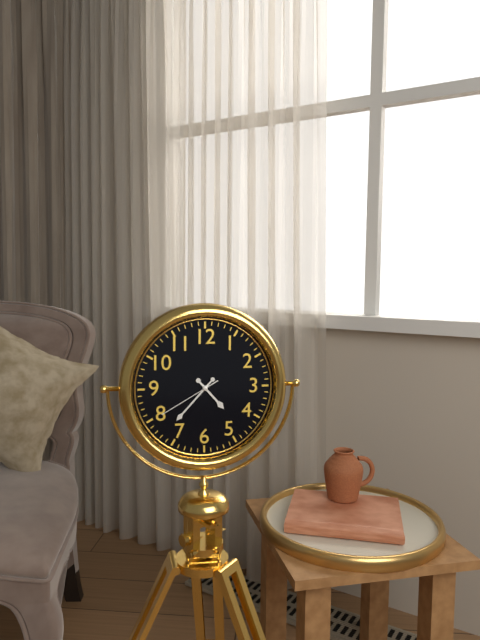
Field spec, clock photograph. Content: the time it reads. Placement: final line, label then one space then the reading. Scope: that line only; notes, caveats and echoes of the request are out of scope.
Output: 4:37:40
